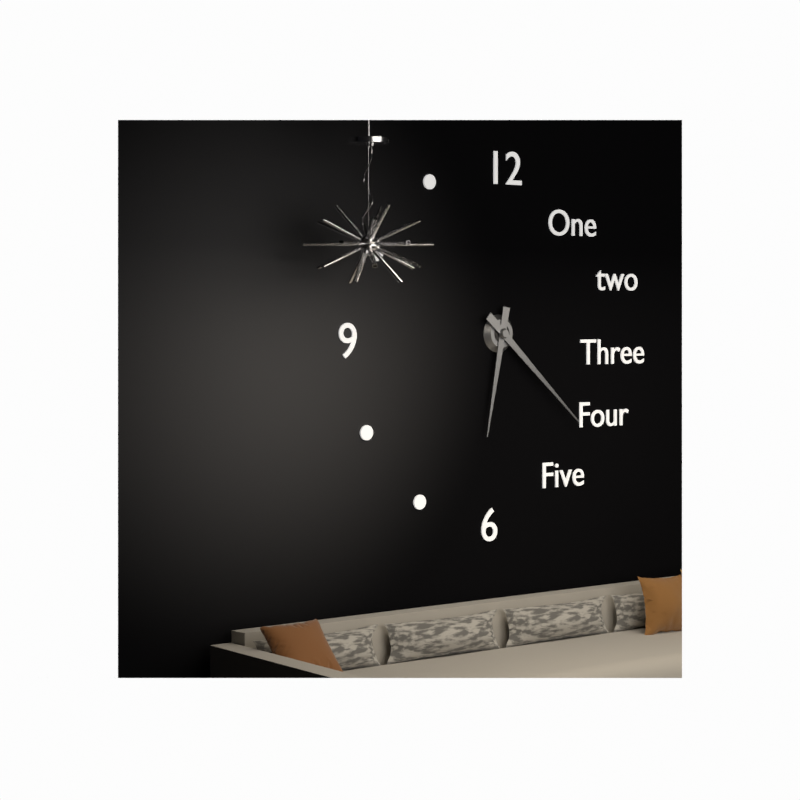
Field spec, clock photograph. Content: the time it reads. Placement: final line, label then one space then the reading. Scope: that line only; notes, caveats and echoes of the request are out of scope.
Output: 6:22
